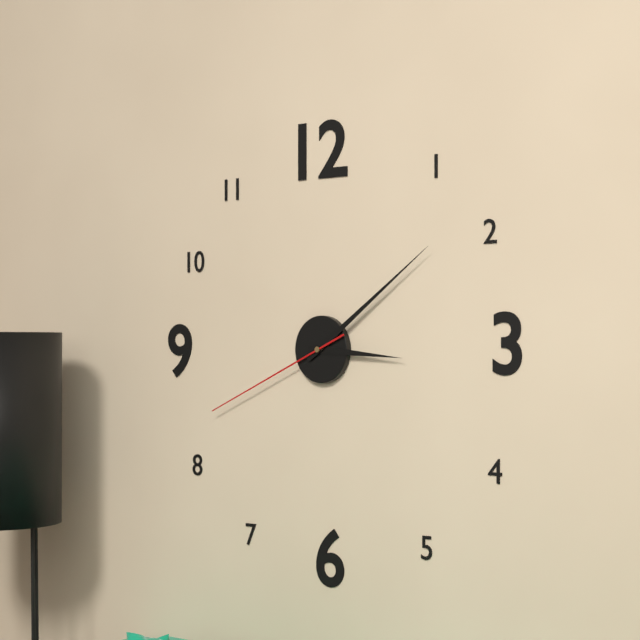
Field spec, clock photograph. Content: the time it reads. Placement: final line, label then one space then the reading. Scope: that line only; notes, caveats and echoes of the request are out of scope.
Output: 3:09:41
